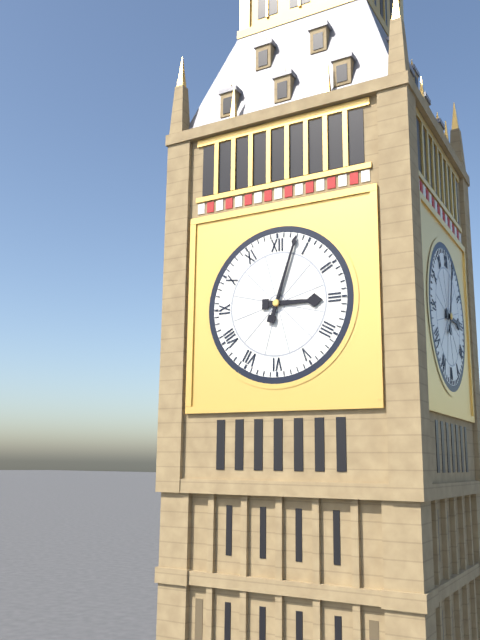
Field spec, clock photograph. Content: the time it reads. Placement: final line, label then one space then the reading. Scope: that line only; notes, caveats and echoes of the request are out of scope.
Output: 3:03
